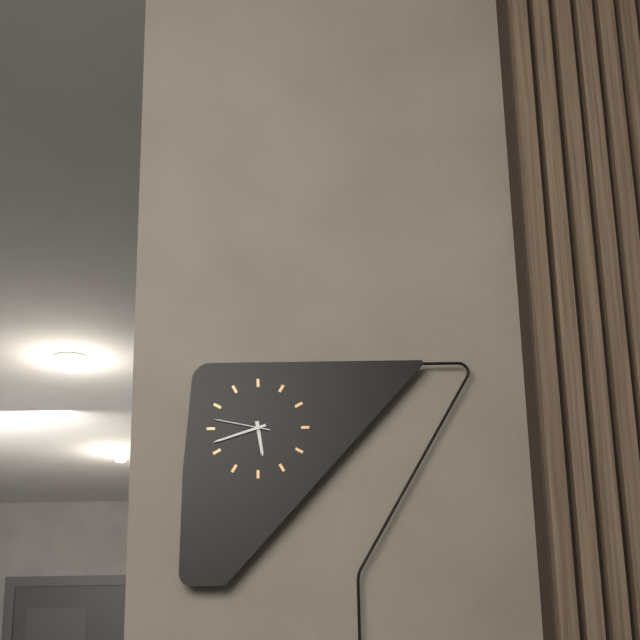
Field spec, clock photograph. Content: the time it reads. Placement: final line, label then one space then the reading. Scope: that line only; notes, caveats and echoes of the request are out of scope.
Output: 5:42:47
